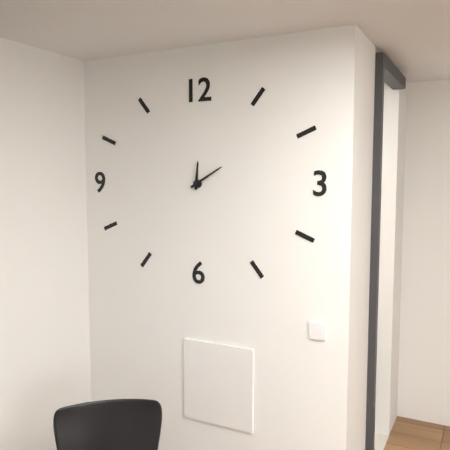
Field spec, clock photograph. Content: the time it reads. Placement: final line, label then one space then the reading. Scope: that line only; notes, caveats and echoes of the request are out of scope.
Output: 12:10
